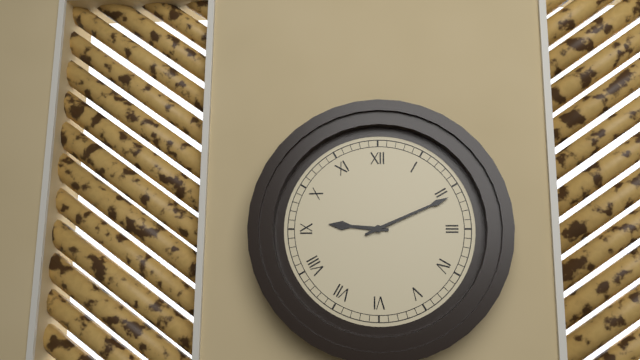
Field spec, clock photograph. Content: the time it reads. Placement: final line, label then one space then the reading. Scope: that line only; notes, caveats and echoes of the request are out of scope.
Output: 9:11
